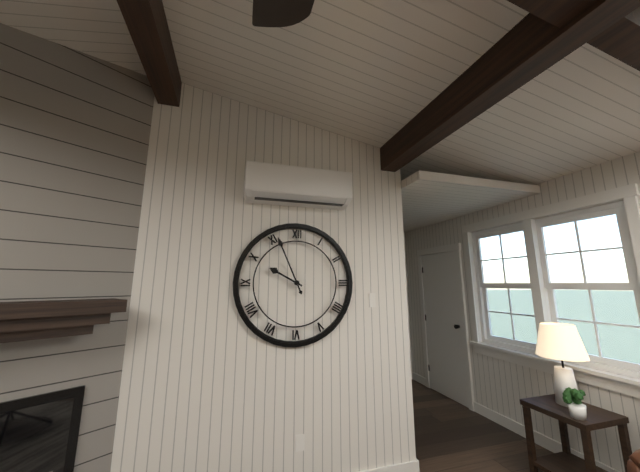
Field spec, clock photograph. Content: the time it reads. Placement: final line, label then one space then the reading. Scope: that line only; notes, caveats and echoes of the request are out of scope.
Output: 9:56
